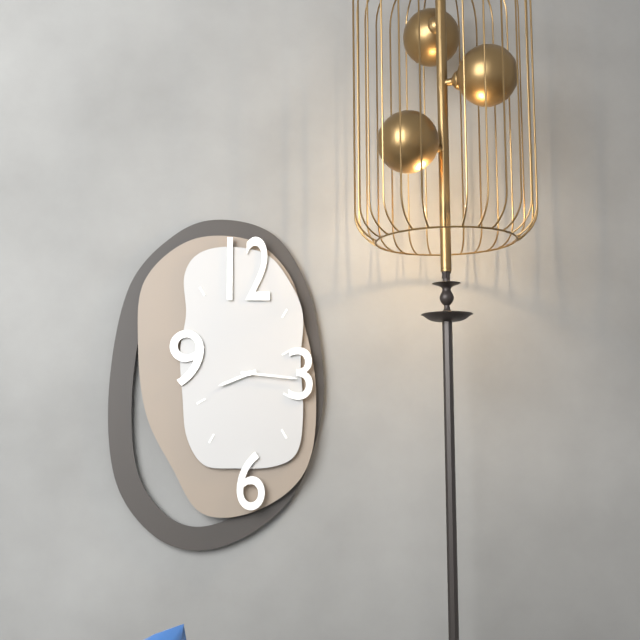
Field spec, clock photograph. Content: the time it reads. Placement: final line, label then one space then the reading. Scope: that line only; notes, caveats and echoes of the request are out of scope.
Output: 8:16
